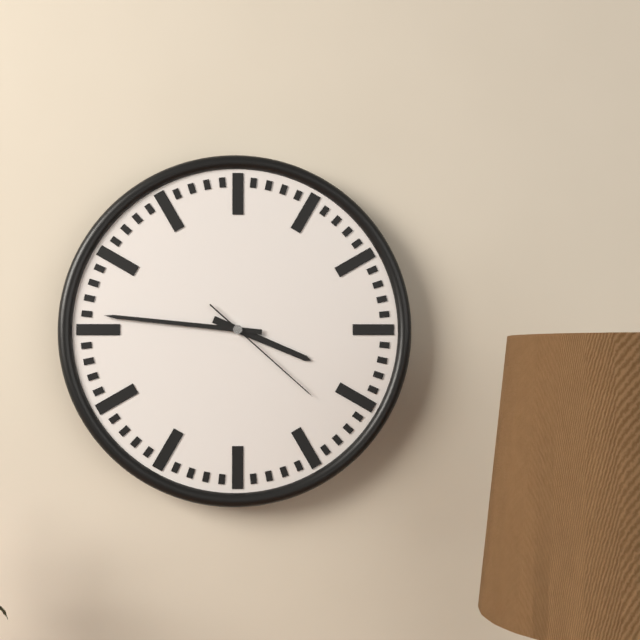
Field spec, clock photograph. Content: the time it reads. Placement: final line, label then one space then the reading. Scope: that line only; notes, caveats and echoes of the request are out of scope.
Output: 3:46:22
